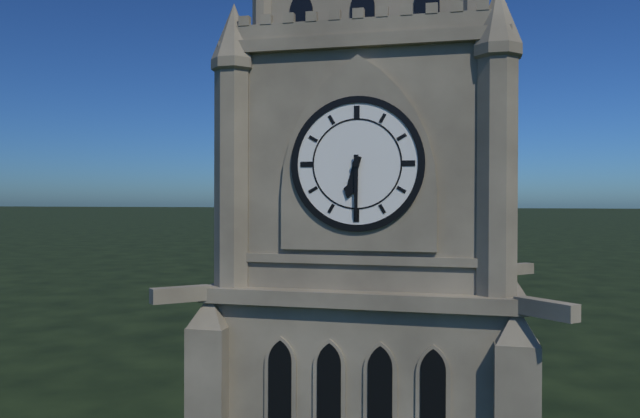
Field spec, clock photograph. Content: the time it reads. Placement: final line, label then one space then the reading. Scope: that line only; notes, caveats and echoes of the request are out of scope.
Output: 6:30
